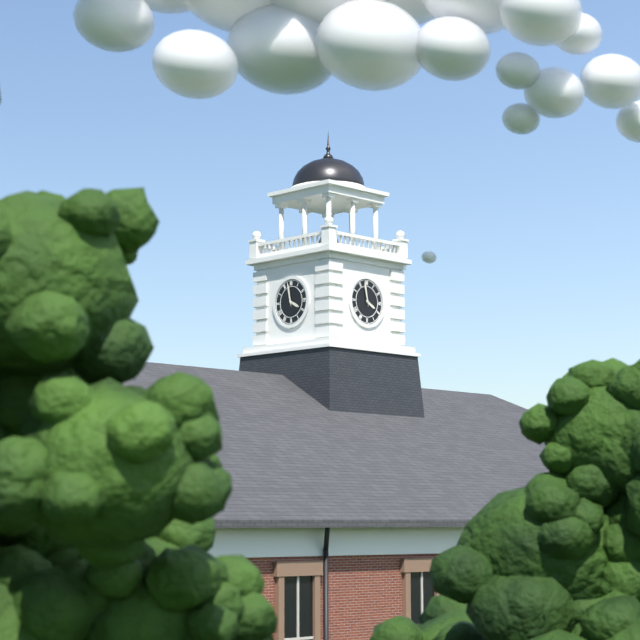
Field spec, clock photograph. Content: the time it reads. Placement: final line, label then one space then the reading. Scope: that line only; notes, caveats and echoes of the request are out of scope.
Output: 3:58
